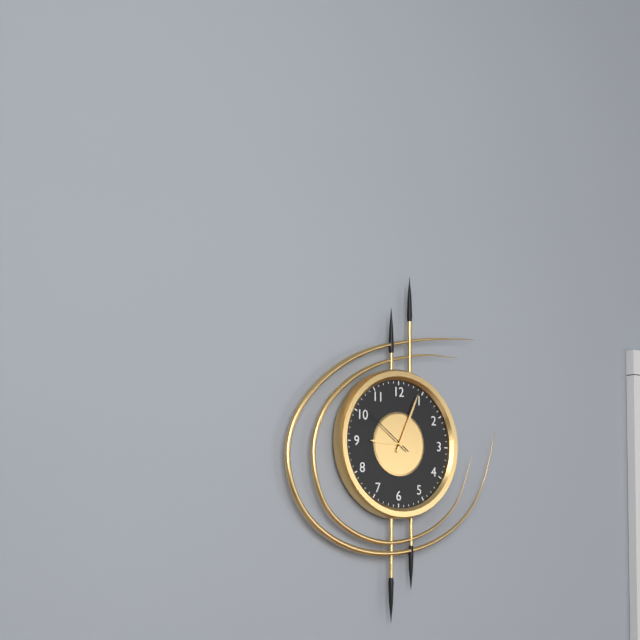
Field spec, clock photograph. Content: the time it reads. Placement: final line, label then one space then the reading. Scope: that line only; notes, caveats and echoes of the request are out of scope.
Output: 9:04:51
